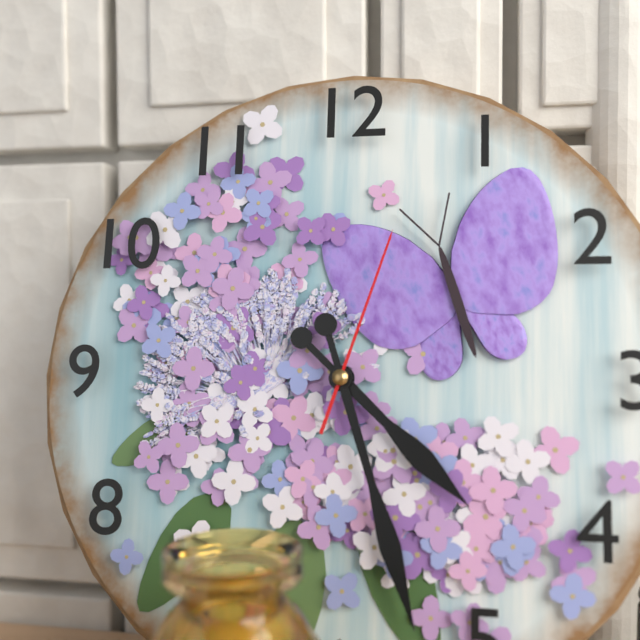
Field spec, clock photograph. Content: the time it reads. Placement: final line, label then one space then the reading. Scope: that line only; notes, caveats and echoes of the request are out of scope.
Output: 4:27:03
